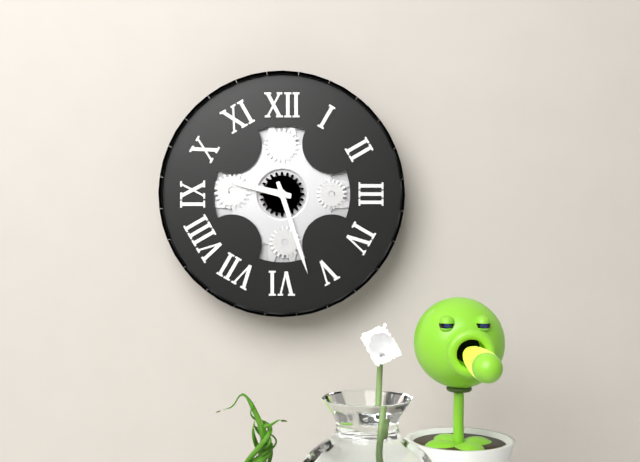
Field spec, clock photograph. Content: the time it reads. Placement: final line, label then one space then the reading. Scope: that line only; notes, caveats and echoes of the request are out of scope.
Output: 9:27
